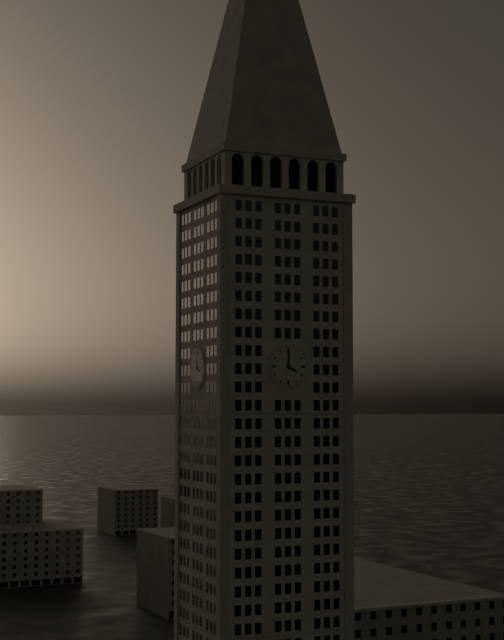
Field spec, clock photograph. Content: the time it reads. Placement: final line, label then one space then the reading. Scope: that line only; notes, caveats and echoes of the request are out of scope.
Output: 4:00
